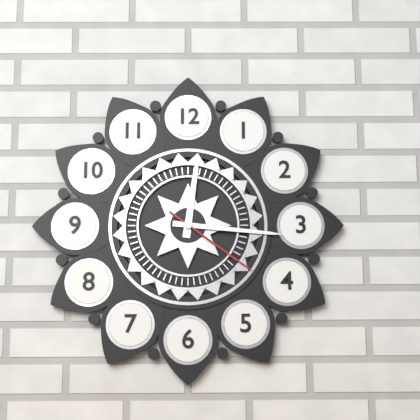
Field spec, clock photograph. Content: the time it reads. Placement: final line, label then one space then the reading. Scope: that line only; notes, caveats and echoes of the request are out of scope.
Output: 12:16:21
